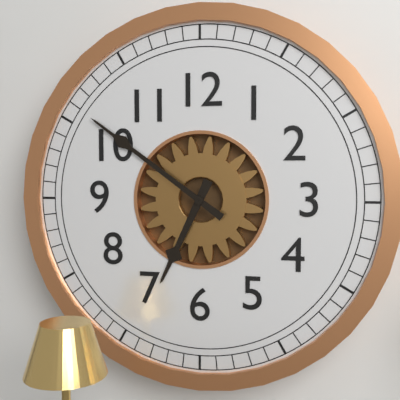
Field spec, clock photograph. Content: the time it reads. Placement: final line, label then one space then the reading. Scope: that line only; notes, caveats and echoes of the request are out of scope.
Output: 6:51
